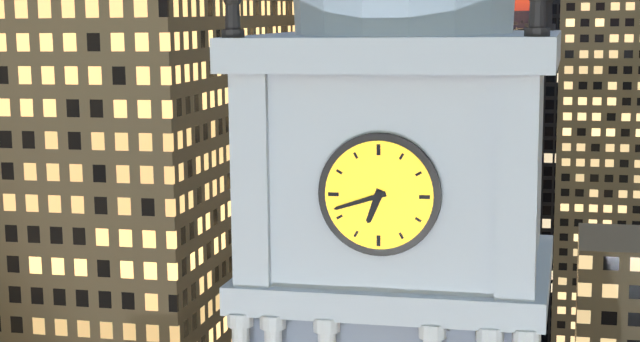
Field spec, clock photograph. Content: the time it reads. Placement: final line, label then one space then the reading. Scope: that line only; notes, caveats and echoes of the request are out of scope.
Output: 6:42
